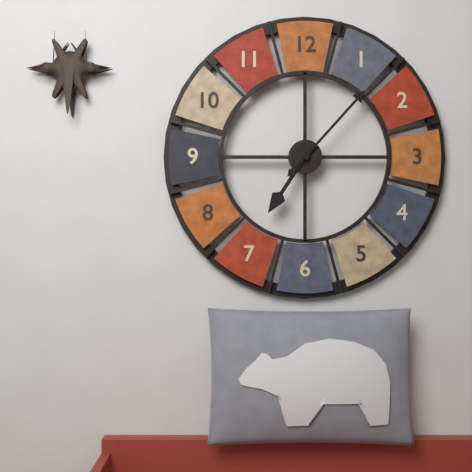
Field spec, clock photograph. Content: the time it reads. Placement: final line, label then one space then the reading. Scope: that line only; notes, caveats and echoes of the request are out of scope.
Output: 7:07
